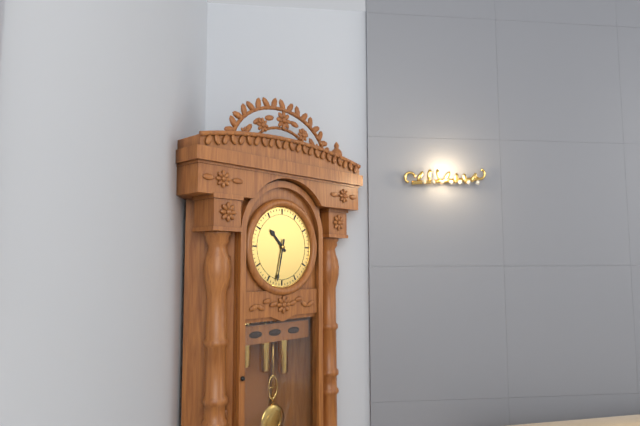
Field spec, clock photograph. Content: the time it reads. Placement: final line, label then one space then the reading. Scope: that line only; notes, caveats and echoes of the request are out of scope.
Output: 10:32
